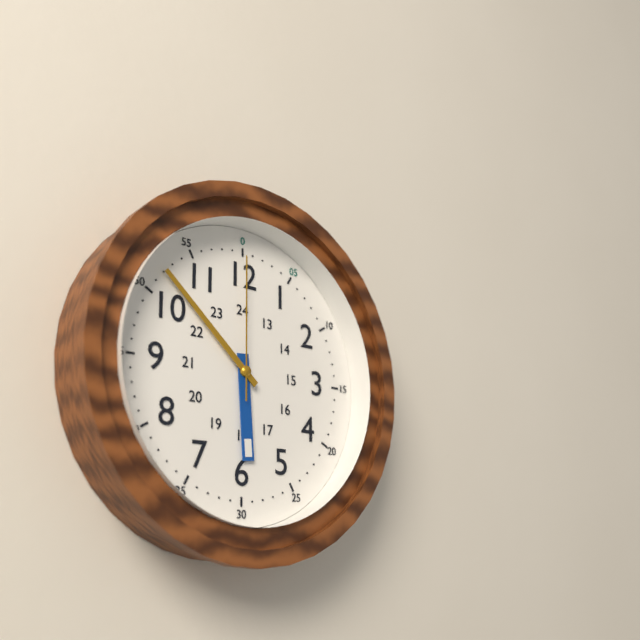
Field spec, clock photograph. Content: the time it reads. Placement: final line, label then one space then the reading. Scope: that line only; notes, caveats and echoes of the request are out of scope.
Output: 5:52:00
